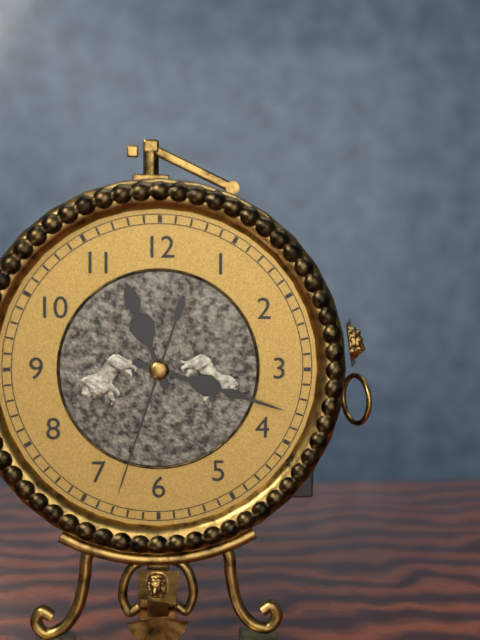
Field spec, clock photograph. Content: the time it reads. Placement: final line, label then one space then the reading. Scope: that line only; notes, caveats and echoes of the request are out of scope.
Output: 11:18:33
